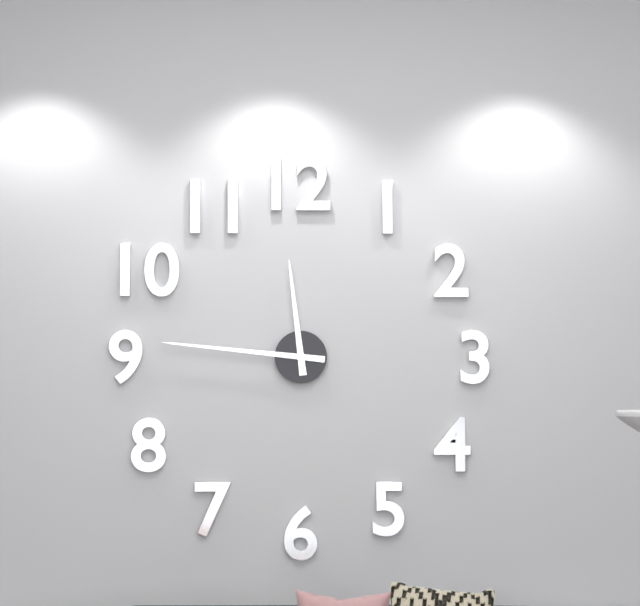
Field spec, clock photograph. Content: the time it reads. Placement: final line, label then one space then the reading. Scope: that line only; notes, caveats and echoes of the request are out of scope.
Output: 11:46
